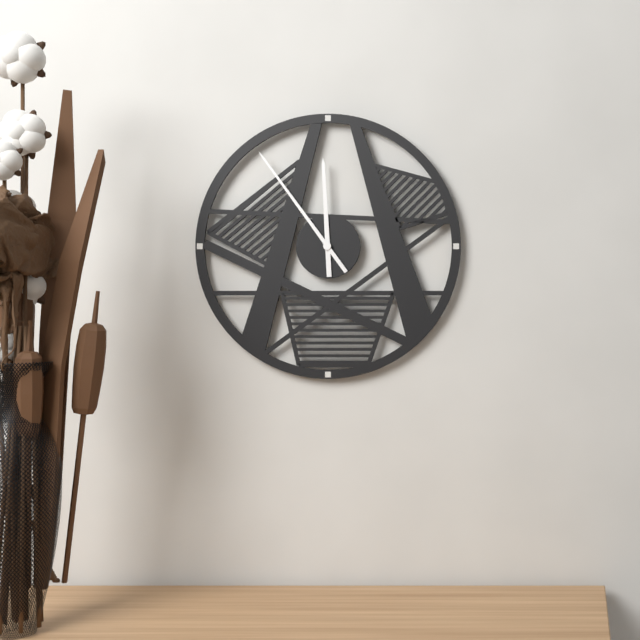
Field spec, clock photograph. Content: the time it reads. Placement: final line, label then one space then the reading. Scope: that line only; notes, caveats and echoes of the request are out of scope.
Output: 11:54
